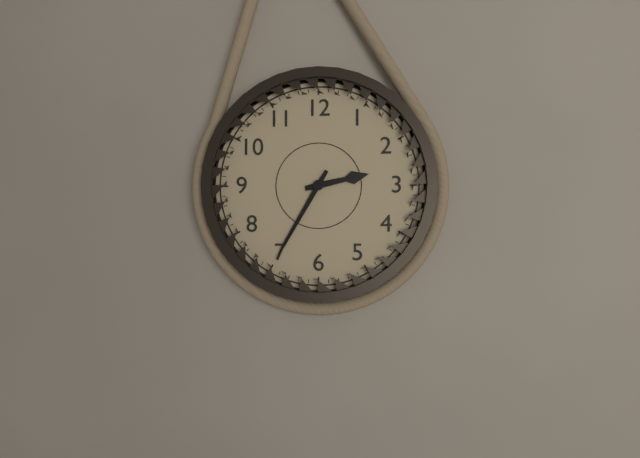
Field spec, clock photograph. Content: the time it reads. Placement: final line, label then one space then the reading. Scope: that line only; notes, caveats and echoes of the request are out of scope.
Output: 2:35
